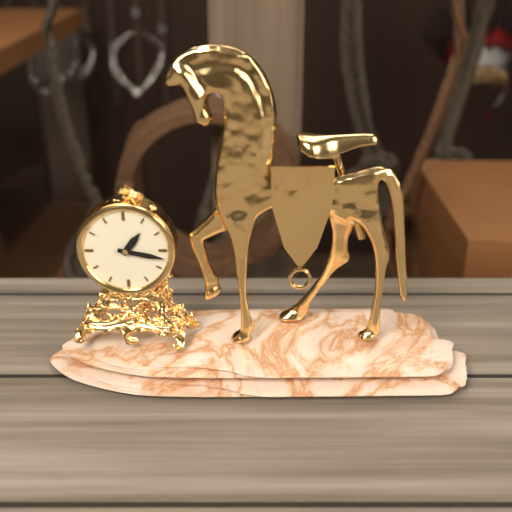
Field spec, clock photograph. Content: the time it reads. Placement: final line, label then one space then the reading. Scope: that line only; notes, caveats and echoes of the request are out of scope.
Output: 1:17
